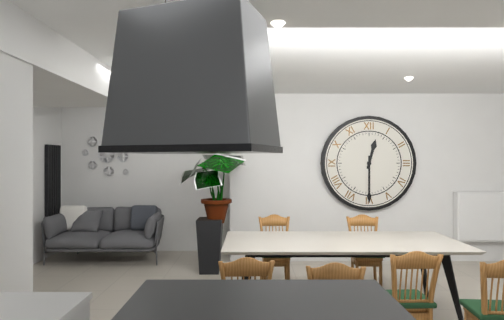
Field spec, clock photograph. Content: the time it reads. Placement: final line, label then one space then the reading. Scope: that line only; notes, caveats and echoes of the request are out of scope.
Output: 12:30
